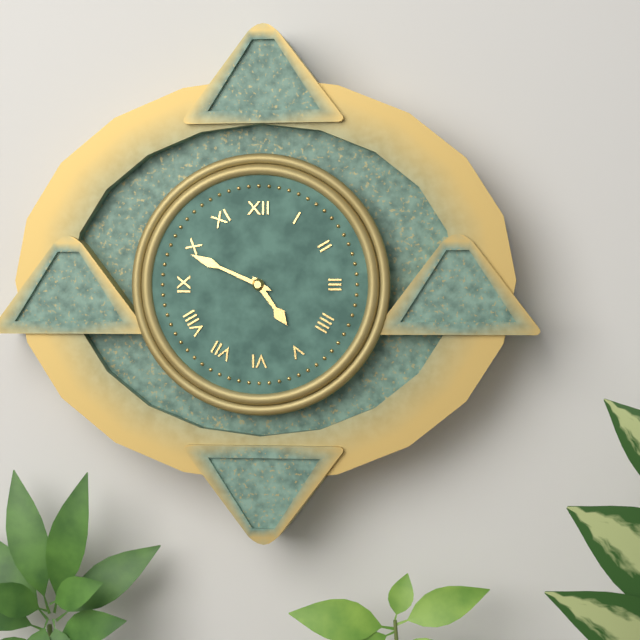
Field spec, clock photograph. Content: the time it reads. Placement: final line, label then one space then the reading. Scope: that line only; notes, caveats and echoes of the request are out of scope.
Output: 4:49
